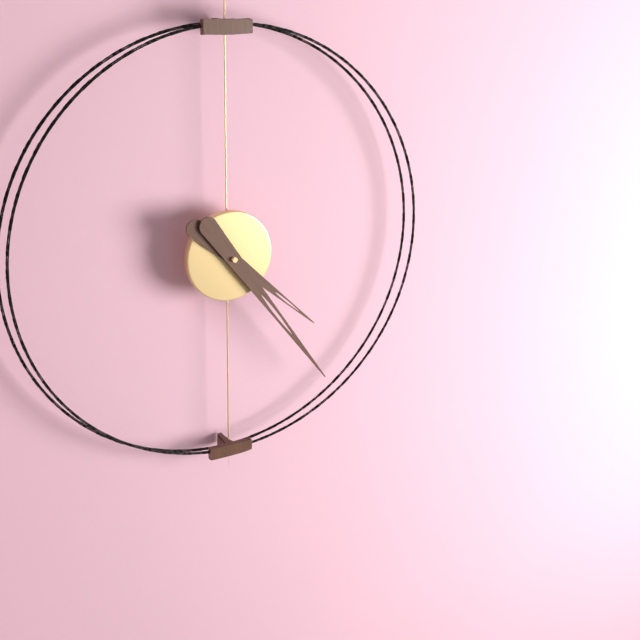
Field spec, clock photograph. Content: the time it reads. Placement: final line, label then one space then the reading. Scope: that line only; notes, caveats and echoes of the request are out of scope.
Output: 4:24
